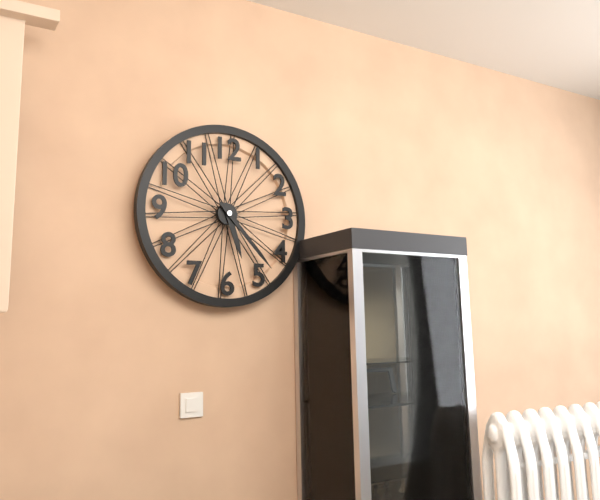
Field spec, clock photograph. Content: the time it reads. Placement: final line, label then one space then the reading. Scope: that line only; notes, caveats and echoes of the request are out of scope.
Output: 5:23
